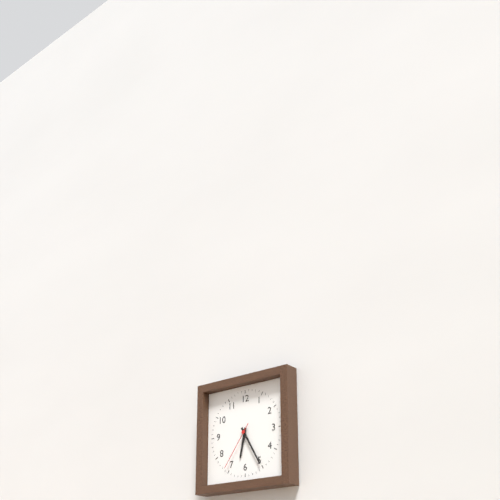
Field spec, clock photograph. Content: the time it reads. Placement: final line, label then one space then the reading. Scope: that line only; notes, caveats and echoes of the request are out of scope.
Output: 6:25:36
